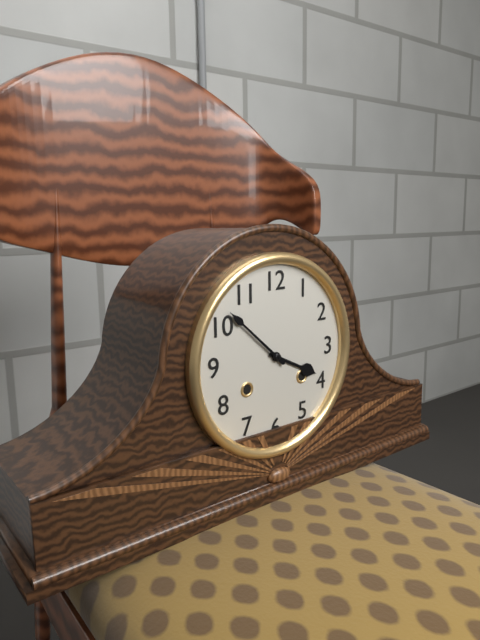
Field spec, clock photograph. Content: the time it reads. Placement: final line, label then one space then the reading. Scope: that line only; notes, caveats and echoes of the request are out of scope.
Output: 3:52
